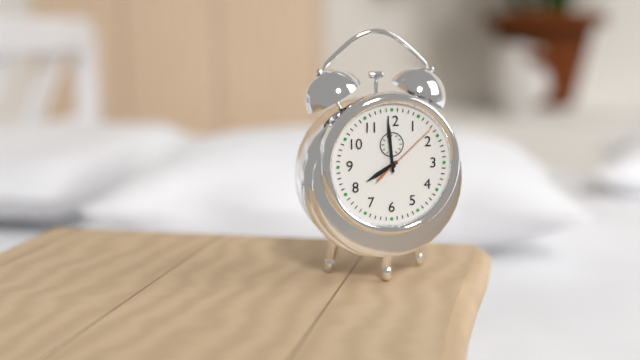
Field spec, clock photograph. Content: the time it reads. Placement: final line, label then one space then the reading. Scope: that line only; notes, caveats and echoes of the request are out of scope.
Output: 7:59:08
